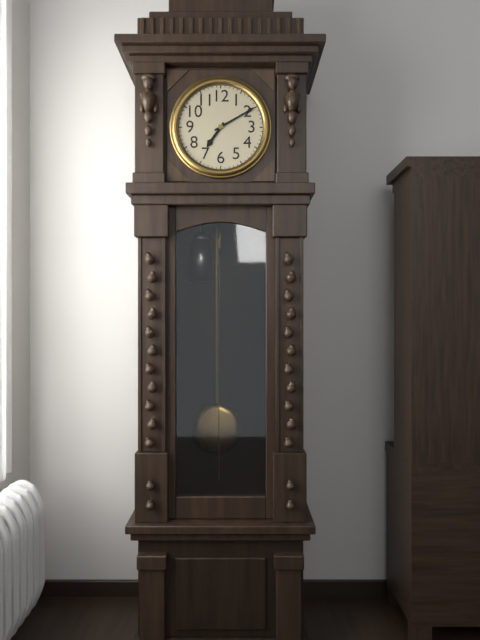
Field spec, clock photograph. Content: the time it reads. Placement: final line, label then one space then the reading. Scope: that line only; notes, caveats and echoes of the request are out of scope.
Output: 7:10
